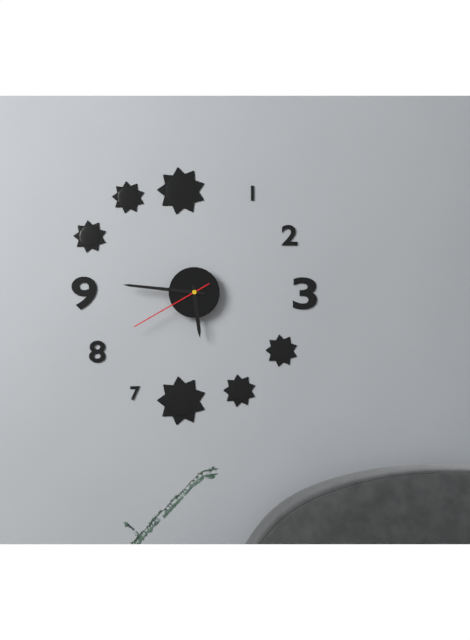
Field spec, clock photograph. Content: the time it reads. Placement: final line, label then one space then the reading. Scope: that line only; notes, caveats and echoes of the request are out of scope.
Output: 5:46:40
